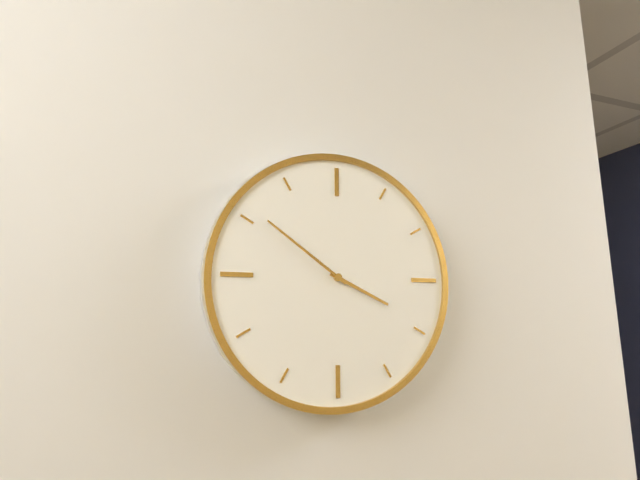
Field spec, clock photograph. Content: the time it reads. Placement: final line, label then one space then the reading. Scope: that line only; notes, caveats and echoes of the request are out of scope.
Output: 3:51
